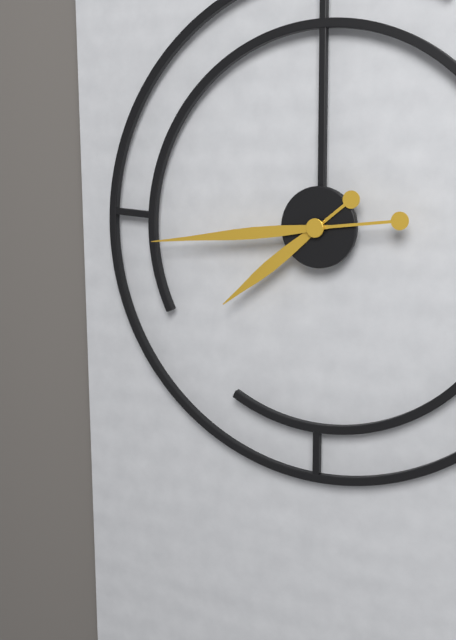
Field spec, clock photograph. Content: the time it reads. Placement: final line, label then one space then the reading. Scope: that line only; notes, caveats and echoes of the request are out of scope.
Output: 7:44
